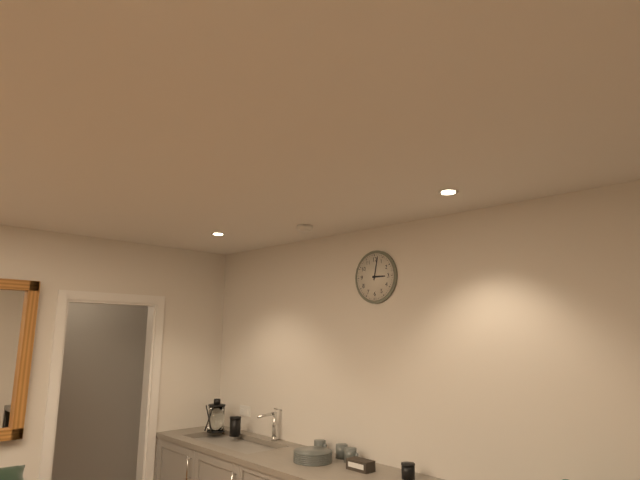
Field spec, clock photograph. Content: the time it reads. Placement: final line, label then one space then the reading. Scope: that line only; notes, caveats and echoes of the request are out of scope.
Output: 3:02
